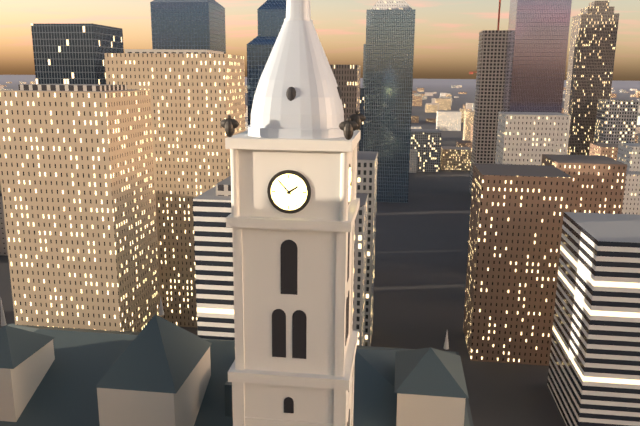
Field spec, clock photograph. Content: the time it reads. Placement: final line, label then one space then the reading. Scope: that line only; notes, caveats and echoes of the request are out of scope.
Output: 1:53
